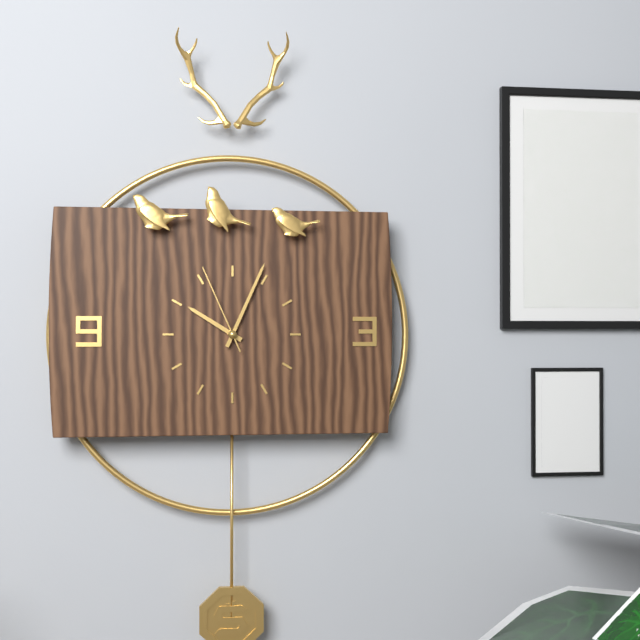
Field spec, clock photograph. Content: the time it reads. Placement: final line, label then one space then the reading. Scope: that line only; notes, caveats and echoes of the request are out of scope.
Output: 10:04:56
